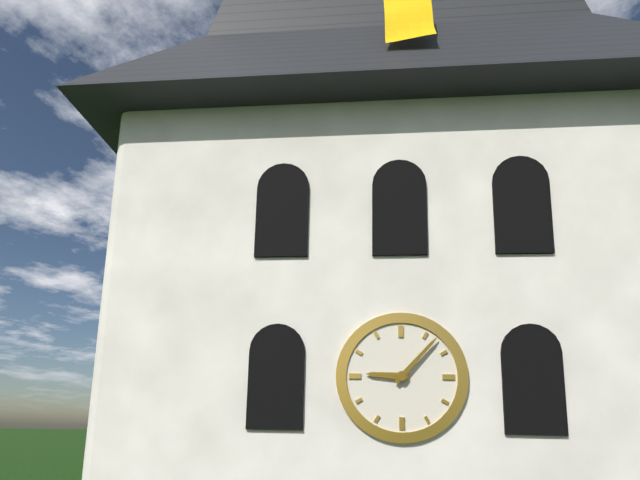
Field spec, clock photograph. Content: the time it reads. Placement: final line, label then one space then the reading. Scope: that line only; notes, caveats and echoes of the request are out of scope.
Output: 9:07
